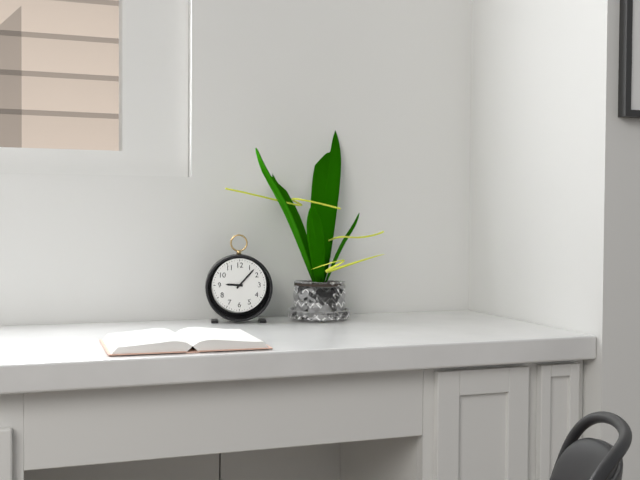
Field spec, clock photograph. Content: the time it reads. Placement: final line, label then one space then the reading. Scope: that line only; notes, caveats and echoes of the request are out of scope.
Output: 9:07
